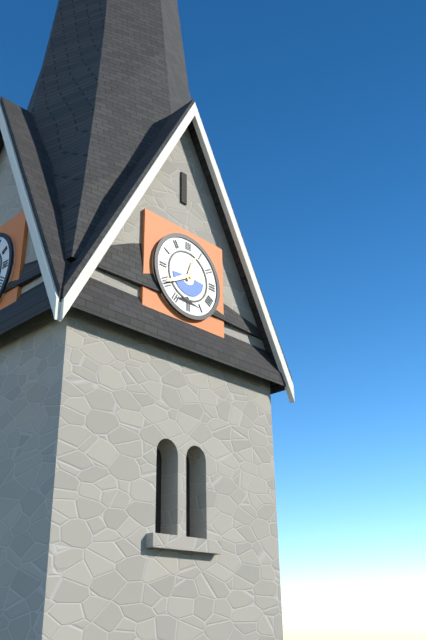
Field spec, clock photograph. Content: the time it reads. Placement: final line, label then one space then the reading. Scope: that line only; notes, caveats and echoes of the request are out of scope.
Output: 12:40
